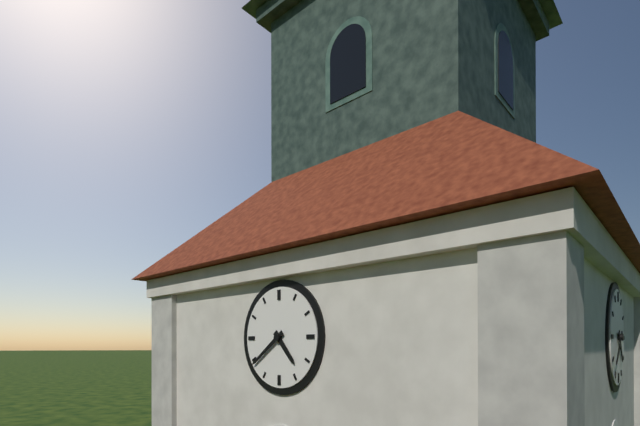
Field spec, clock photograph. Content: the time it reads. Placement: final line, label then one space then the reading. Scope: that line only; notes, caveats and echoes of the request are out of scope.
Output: 4:39
